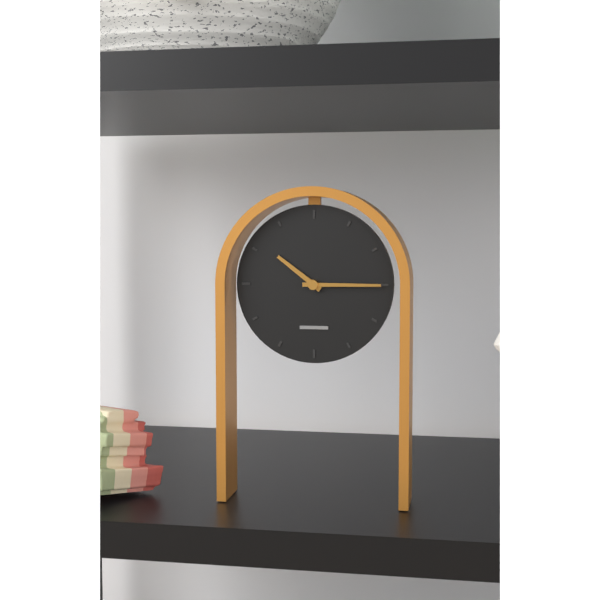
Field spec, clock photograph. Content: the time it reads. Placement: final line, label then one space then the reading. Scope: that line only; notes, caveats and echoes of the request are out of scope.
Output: 10:15
